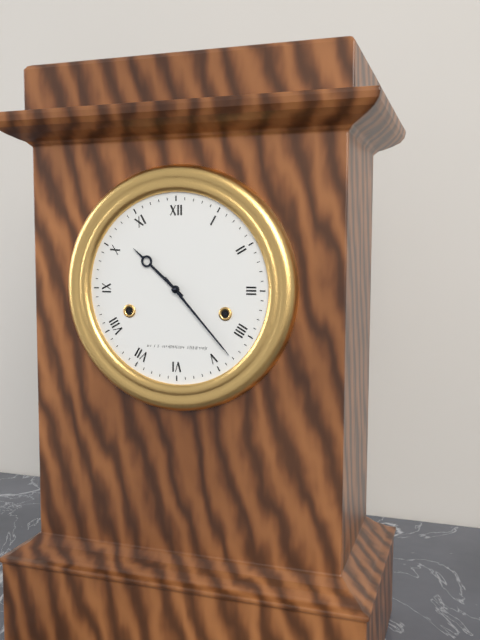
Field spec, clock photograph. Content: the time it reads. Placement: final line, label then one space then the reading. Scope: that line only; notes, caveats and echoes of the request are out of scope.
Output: 10:23
